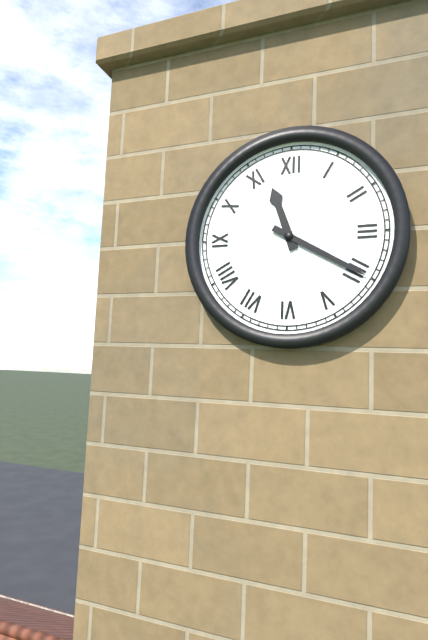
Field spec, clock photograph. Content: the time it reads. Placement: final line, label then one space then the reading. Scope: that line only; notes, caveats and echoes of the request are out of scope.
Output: 11:20
